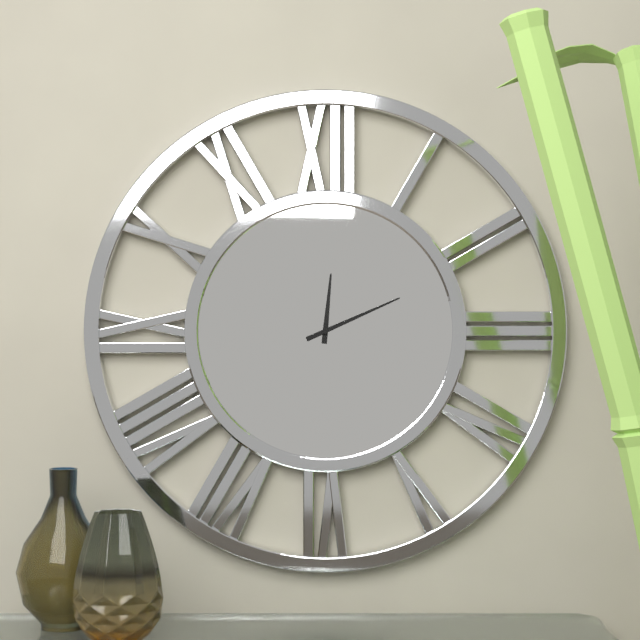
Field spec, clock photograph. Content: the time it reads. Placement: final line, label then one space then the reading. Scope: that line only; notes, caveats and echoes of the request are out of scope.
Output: 12:11
